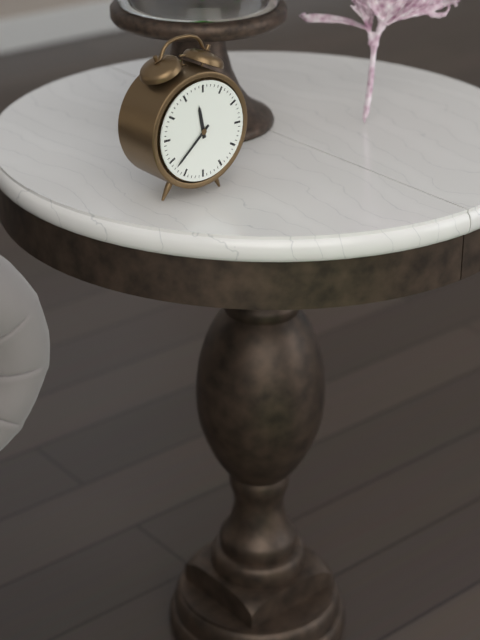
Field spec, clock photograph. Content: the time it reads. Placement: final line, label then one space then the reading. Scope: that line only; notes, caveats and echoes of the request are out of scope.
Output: 11:38
